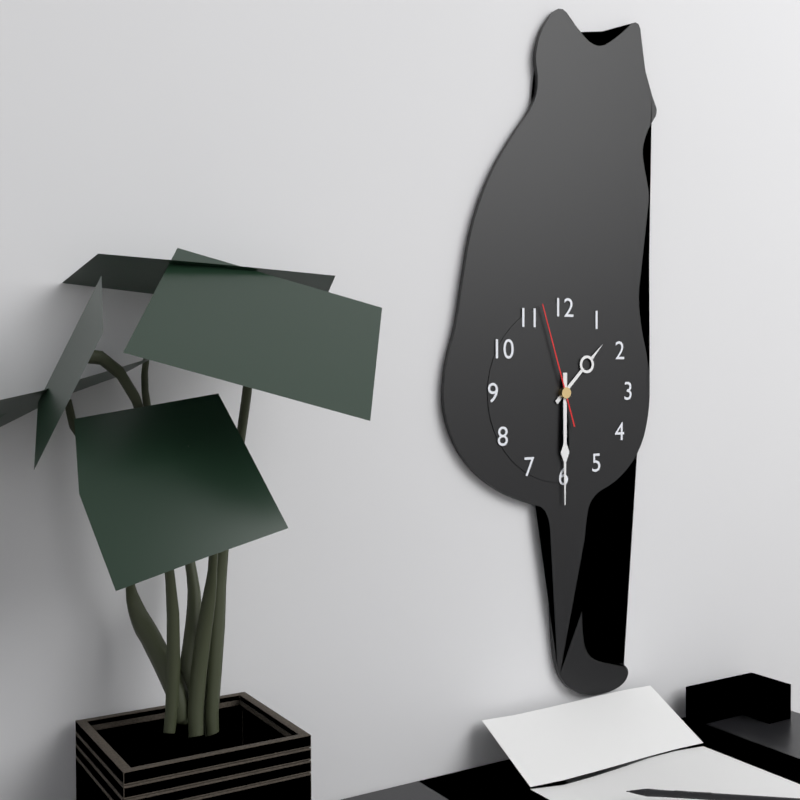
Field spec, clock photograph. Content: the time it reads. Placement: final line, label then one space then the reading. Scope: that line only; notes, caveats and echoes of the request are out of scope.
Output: 1:30:57
